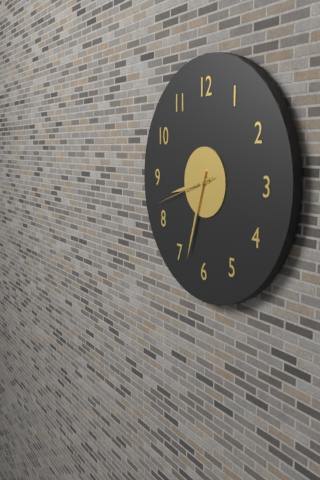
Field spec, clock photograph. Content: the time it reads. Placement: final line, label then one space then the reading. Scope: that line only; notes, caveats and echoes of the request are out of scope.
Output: 8:33:42
